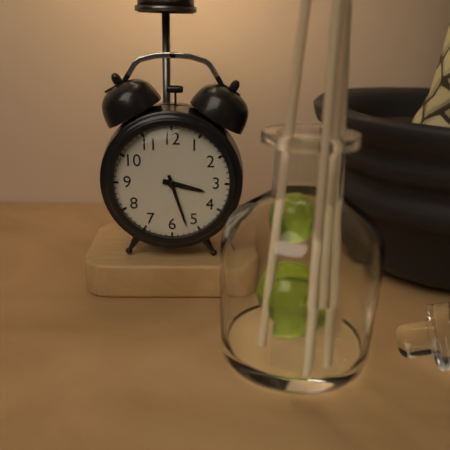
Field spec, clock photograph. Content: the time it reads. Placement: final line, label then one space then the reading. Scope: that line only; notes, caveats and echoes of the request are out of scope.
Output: 3:27
